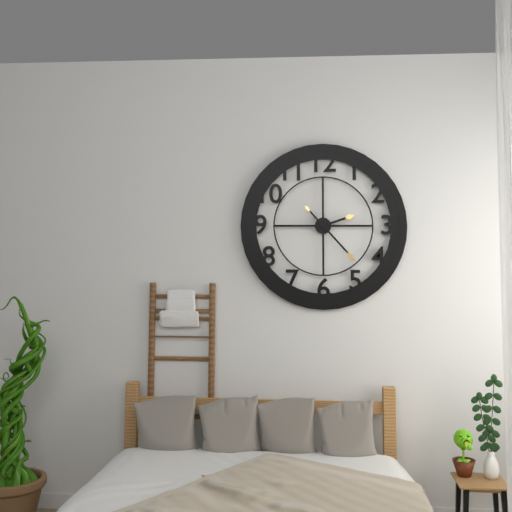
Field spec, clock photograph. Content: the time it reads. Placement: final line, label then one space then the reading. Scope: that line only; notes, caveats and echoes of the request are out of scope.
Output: 2:23
